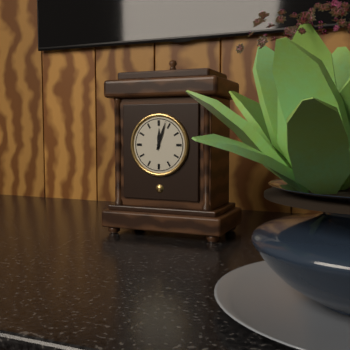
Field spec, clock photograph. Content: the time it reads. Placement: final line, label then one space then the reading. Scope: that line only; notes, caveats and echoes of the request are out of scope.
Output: 12:03
